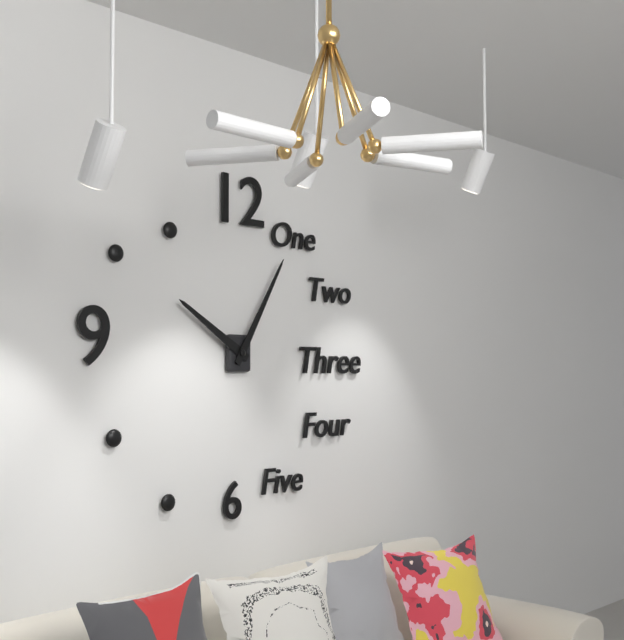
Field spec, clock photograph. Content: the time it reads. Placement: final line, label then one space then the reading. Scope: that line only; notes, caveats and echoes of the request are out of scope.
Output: 10:05
